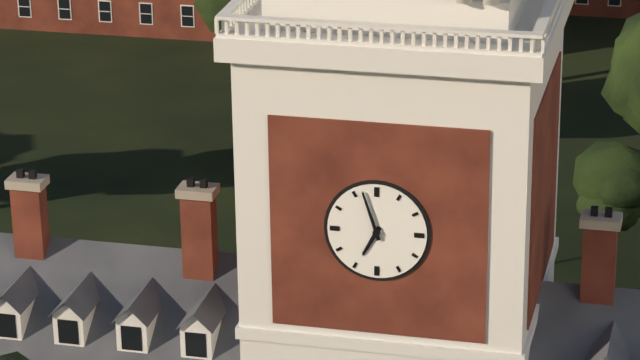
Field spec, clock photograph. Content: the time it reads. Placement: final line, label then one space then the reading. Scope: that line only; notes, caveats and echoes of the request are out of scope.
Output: 6:57
